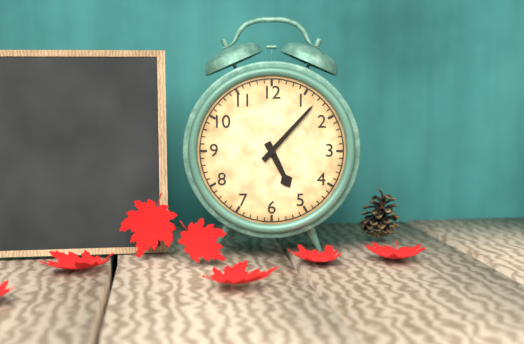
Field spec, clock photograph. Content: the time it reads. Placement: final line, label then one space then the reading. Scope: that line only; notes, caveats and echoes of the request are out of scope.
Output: 5:07
